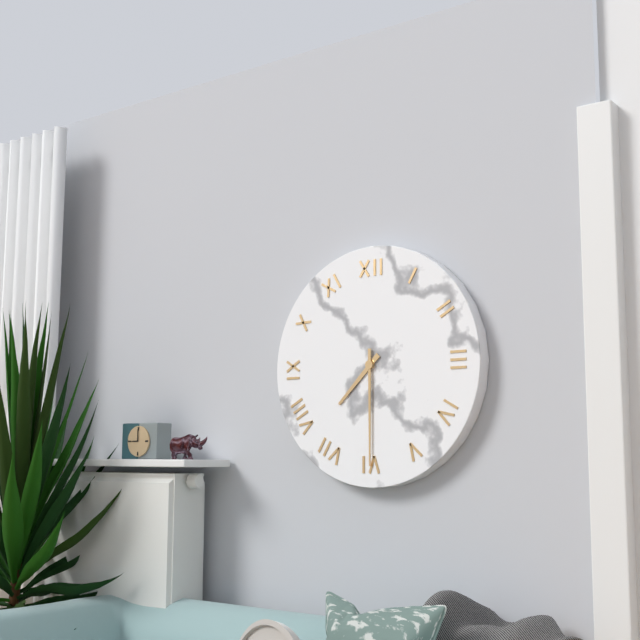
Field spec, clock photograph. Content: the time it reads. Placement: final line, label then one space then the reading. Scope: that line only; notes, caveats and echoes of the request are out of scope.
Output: 7:30
